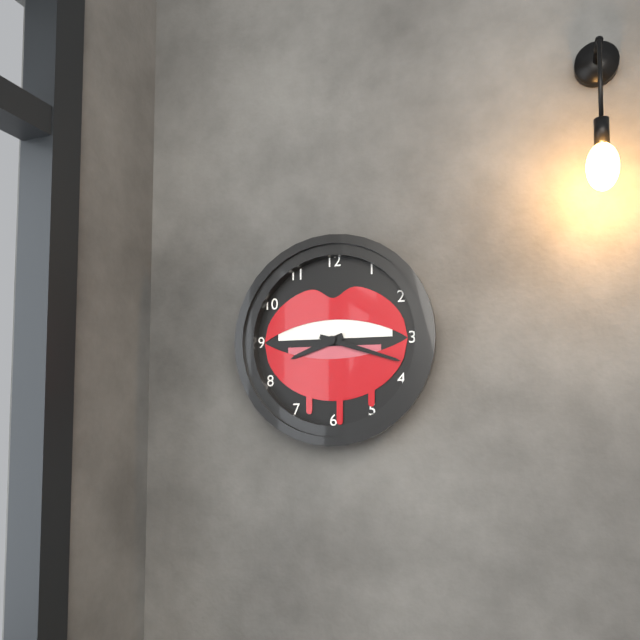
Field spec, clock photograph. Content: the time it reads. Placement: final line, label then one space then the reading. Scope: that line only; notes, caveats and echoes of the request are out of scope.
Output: 8:18
